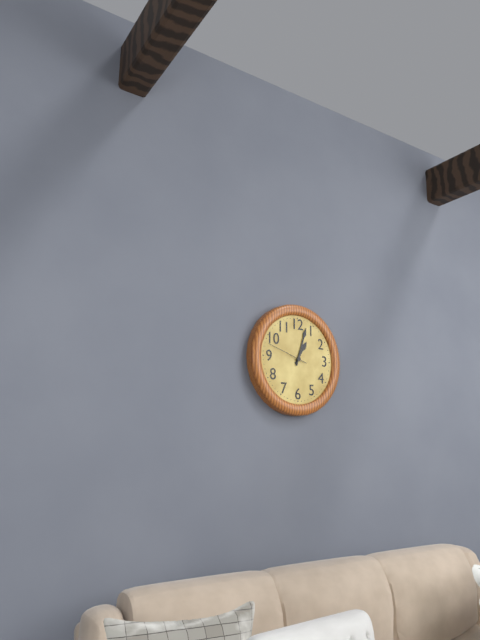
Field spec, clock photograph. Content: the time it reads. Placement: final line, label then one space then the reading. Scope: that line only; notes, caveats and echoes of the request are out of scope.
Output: 1:03
